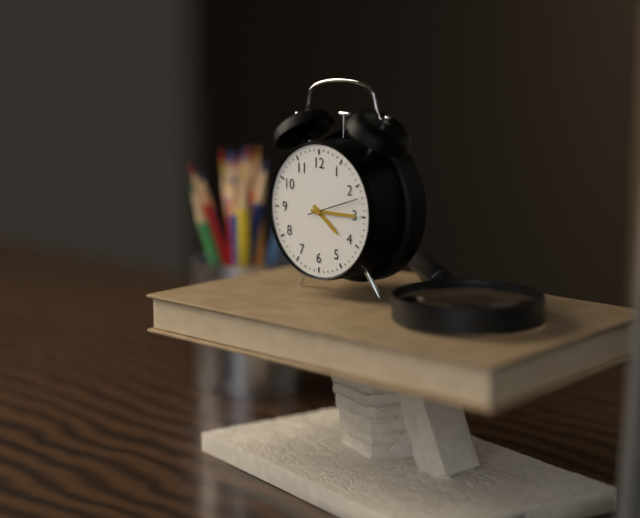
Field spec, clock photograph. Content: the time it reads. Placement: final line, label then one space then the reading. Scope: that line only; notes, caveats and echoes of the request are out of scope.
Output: 4:15:12
